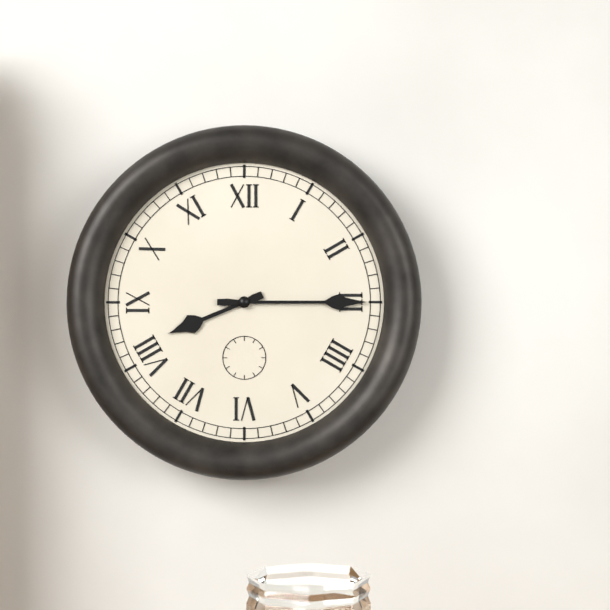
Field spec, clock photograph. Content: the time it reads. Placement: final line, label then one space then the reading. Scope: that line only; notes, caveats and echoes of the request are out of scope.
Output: 8:15
